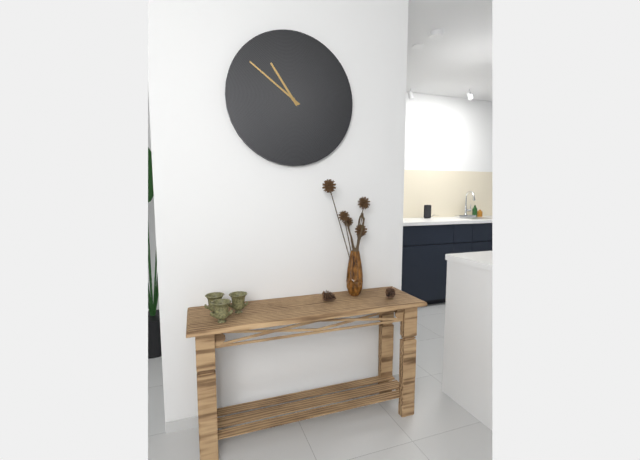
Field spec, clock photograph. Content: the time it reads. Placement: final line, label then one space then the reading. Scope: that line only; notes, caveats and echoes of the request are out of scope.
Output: 10:51
